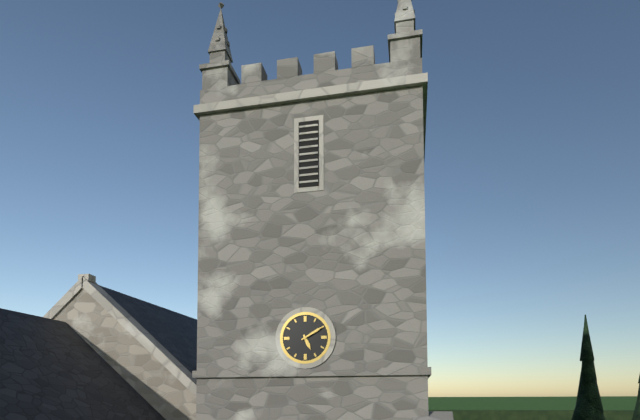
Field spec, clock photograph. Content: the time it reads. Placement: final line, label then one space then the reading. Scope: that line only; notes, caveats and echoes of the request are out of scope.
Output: 5:10
